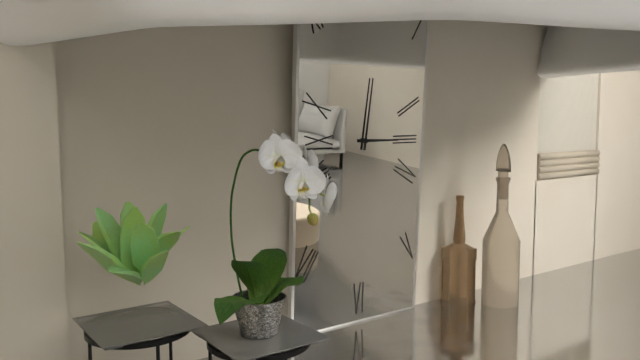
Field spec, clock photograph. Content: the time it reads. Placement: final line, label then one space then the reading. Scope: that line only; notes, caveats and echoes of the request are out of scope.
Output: 3:01
